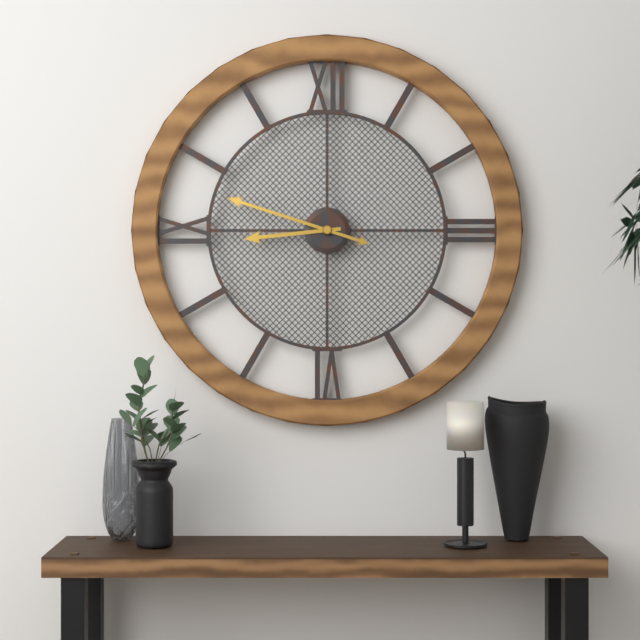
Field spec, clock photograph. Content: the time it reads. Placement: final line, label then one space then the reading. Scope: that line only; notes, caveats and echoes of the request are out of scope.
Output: 8:48
